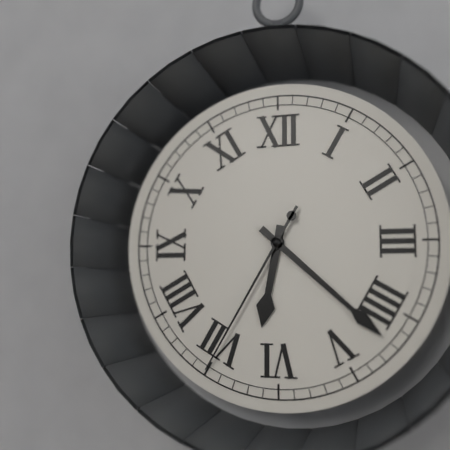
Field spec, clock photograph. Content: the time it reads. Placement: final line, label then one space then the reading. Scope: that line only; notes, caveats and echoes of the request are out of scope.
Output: 6:22:35
